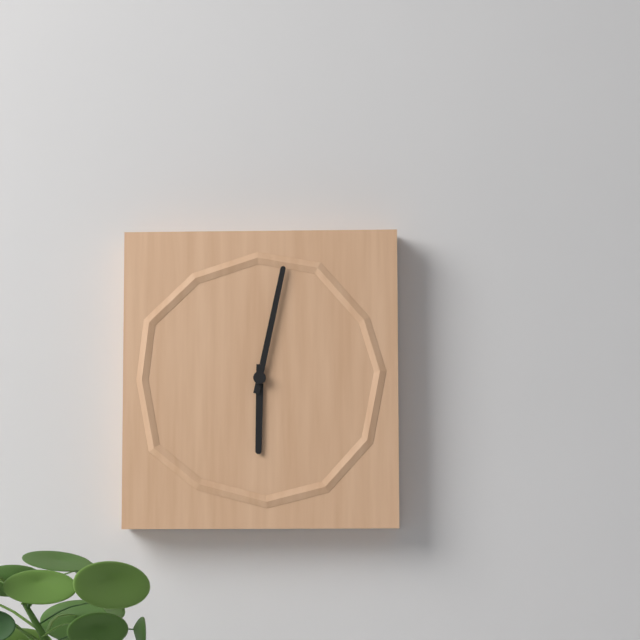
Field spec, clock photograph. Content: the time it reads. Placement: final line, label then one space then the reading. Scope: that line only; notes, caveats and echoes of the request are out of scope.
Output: 6:02
